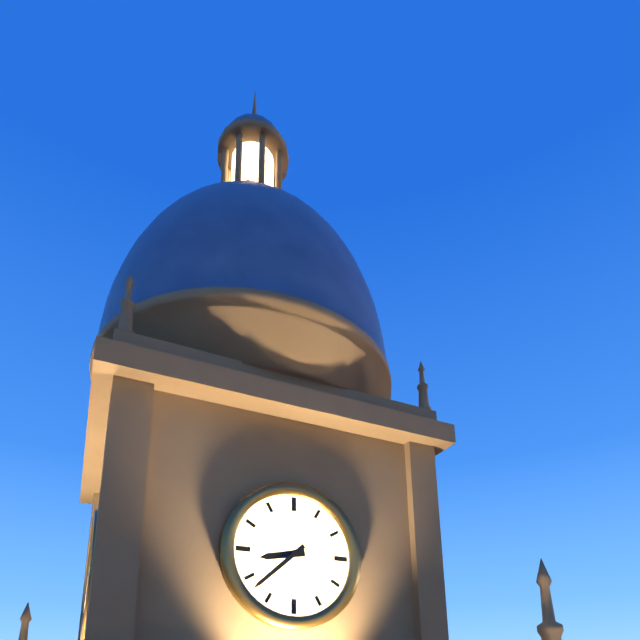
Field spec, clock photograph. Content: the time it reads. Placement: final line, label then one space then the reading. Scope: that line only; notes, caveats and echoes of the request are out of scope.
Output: 8:38
